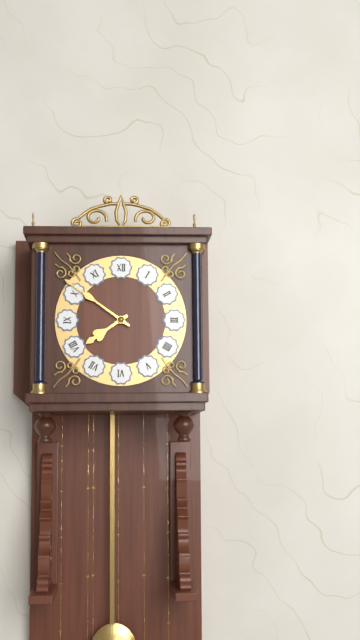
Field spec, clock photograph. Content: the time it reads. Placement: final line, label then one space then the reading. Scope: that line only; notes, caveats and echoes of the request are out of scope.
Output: 7:51
